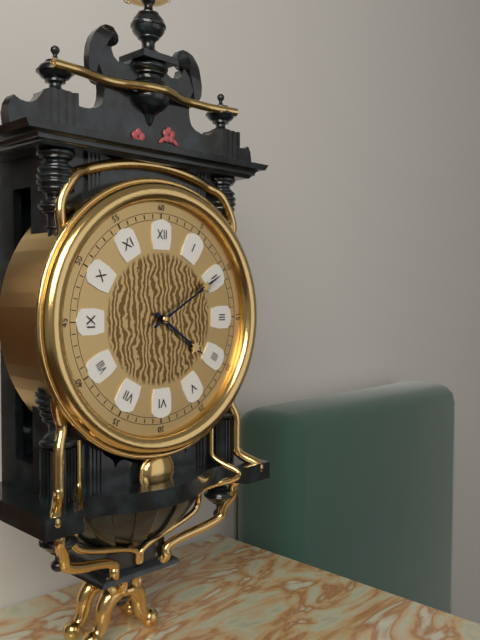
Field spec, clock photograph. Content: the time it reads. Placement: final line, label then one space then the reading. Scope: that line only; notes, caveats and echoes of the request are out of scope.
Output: 4:10
